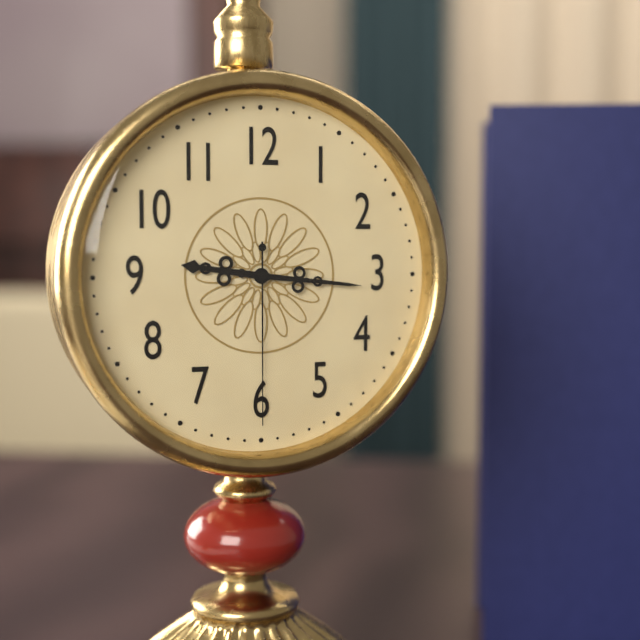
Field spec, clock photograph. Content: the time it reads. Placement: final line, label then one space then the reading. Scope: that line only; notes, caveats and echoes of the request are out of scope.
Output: 9:16:30
